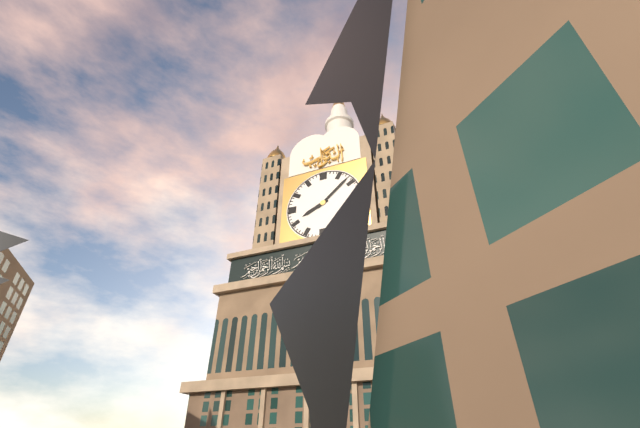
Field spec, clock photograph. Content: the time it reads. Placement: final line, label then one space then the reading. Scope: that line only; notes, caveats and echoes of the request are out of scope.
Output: 8:08
